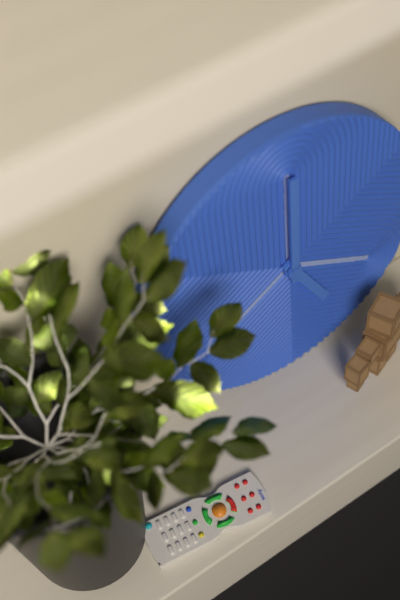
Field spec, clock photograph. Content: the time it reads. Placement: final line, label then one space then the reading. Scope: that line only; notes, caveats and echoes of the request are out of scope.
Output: 5:00
